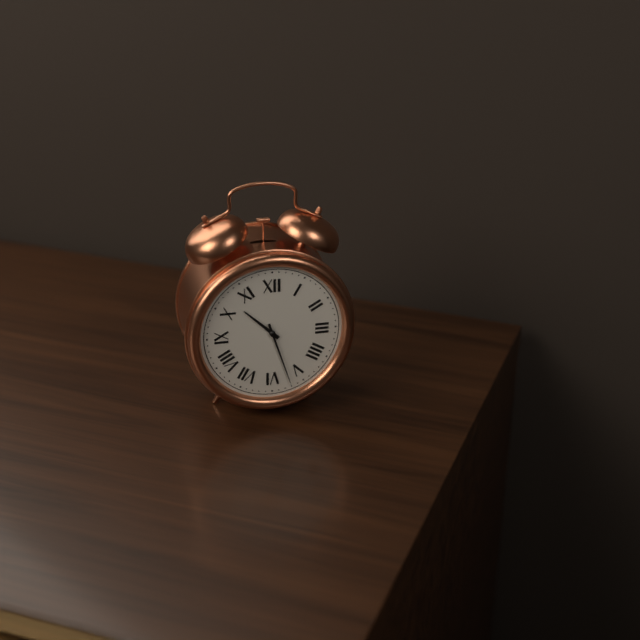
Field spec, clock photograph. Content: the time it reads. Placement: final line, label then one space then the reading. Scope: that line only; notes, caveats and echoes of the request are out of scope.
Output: 10:27
